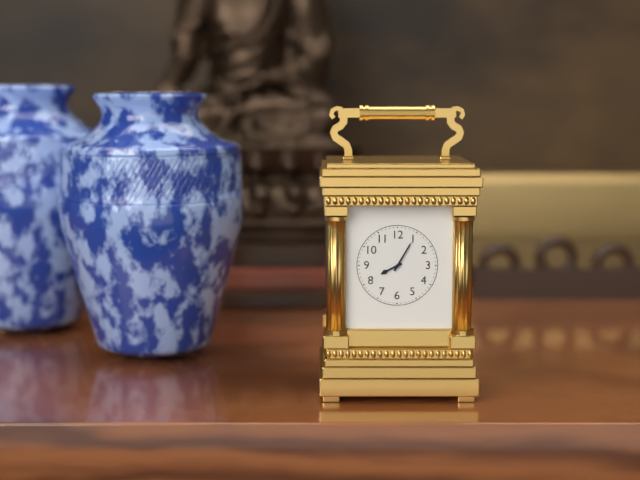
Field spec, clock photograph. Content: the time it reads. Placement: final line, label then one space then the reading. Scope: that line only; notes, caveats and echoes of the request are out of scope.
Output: 8:05
